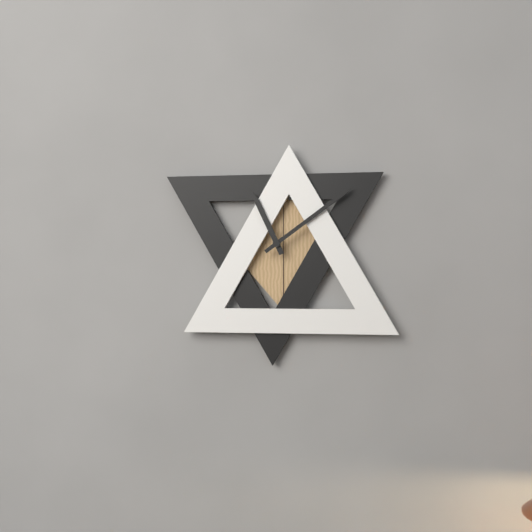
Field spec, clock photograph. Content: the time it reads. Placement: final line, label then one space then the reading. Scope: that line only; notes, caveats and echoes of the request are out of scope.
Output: 11:09
